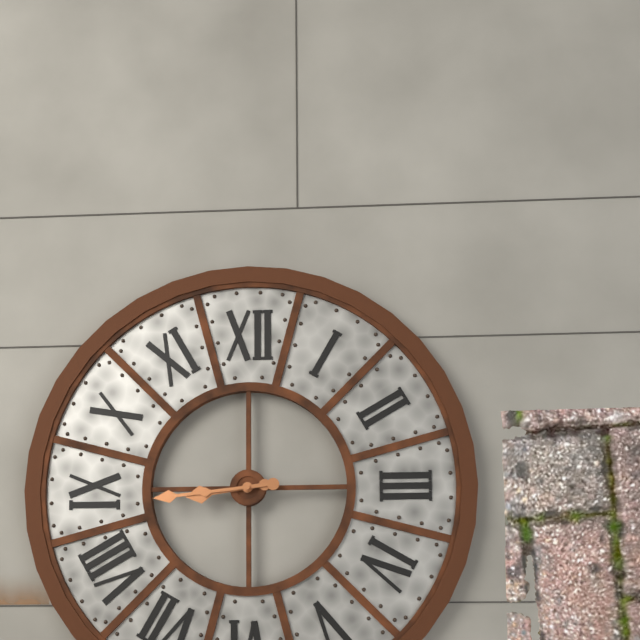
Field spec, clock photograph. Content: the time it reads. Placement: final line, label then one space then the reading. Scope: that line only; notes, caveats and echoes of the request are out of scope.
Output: 8:44
